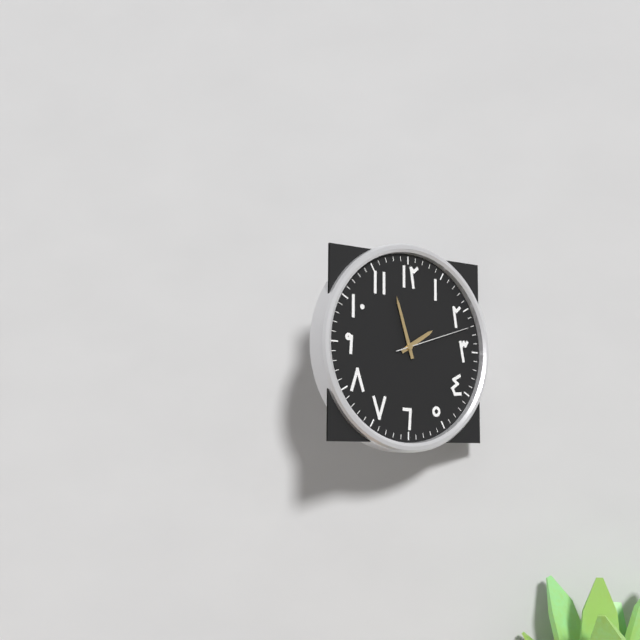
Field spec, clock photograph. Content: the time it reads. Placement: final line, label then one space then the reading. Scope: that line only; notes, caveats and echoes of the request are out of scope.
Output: 1:57:12
